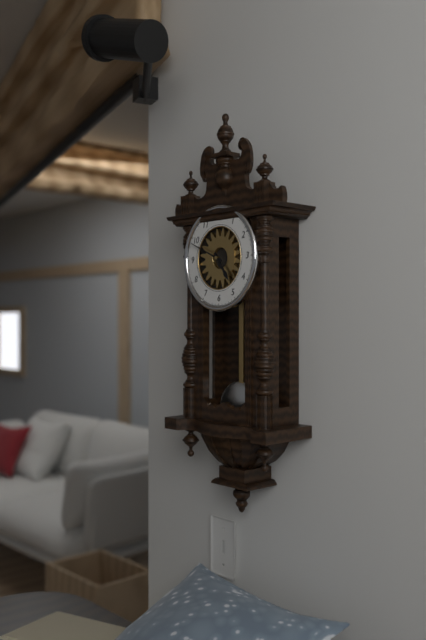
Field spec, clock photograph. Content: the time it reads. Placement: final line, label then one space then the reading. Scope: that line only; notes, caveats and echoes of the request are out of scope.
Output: 4:49
